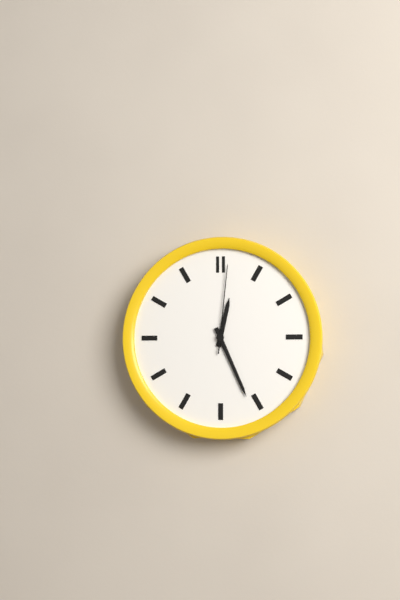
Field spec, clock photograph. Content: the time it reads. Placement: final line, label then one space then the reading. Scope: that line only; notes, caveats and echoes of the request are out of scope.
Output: 12:26:01
